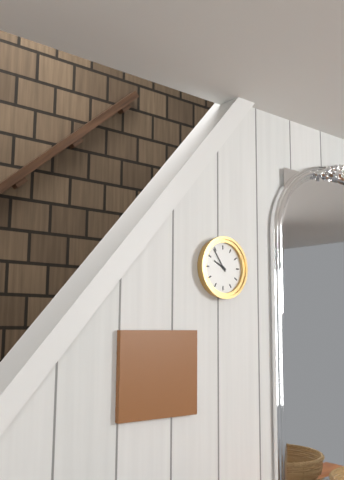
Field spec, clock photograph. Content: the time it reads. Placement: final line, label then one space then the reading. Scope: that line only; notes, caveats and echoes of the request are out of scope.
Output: 9:54
